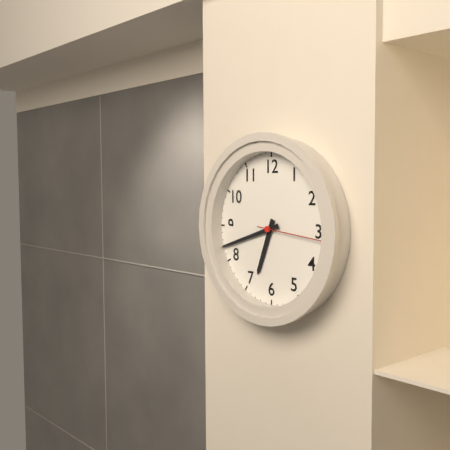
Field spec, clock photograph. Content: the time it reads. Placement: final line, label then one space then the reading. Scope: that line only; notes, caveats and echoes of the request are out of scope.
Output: 6:42:16
